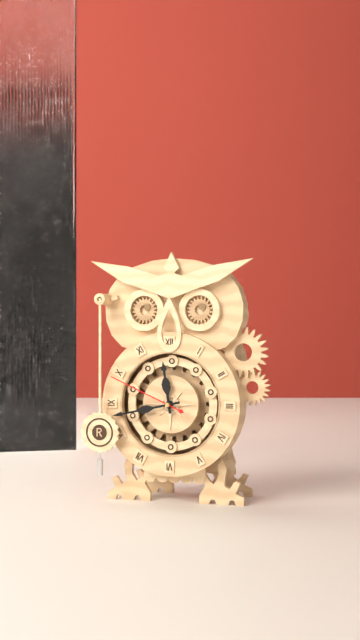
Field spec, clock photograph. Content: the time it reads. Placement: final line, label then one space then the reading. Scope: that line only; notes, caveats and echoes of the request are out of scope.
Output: 11:43:49
